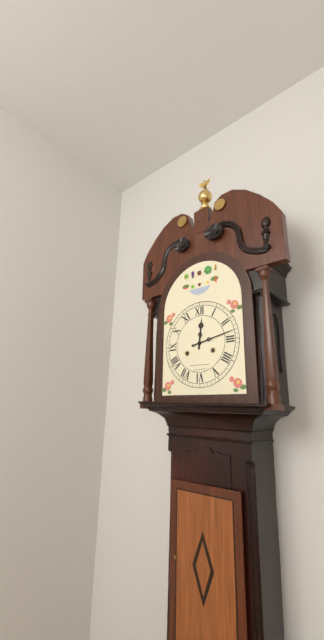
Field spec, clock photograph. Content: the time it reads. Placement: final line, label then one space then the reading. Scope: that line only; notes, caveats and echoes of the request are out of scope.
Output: 12:13
